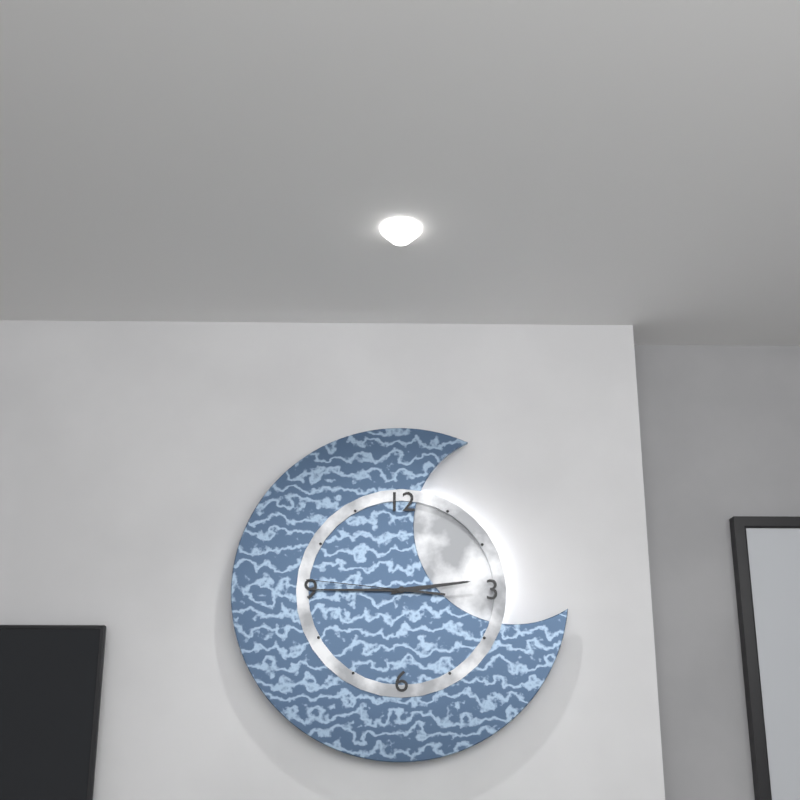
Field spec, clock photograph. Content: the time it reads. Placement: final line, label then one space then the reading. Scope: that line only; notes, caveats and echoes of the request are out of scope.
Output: 2:45:46
